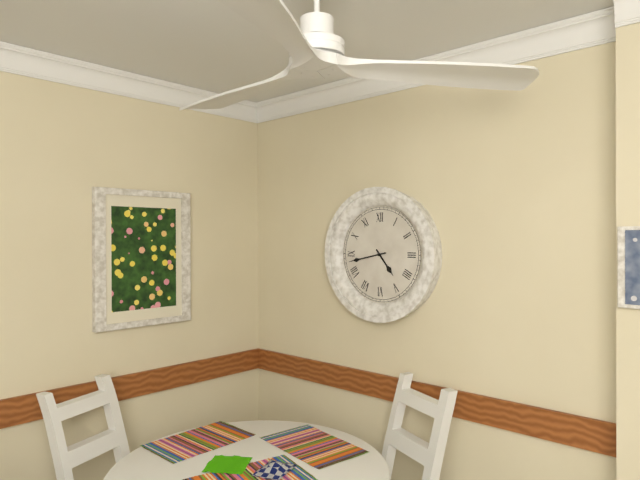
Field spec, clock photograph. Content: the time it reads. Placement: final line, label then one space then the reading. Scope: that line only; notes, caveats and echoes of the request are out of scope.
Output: 4:43
